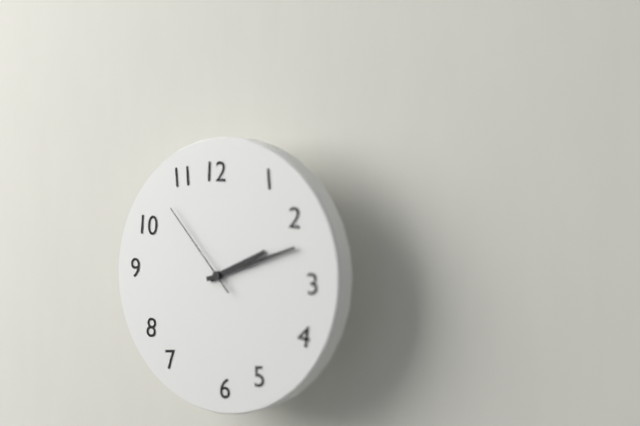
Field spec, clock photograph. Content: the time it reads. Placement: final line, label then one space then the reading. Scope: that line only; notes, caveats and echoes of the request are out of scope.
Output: 2:12:53
